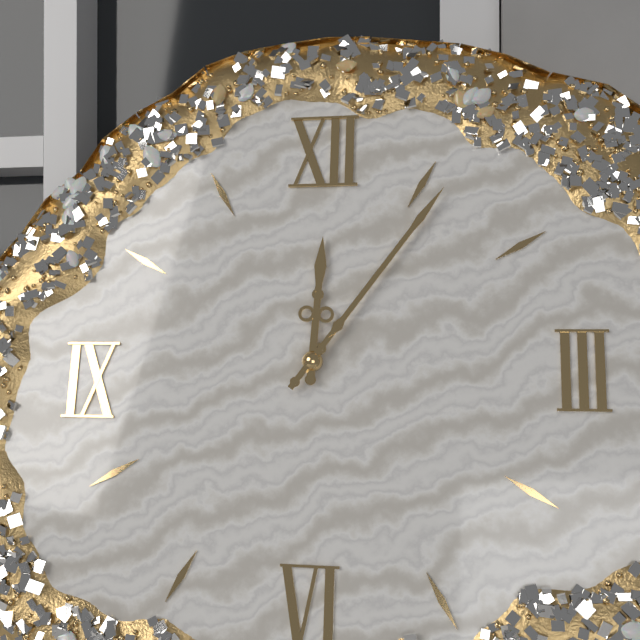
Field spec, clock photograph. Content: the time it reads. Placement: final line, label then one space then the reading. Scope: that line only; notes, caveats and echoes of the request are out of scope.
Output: 12:06
